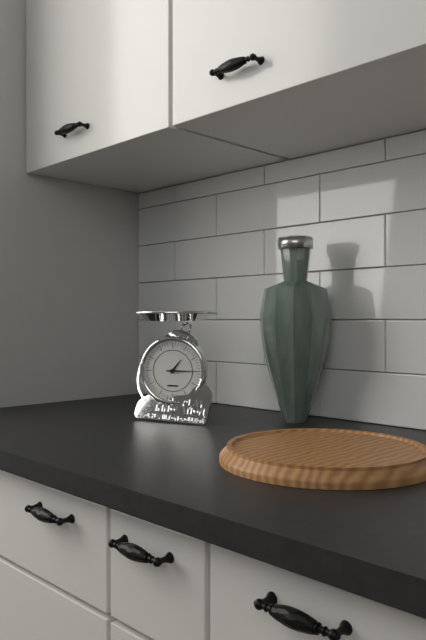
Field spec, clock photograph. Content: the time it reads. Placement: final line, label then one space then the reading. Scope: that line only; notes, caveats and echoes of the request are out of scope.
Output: 1:15
